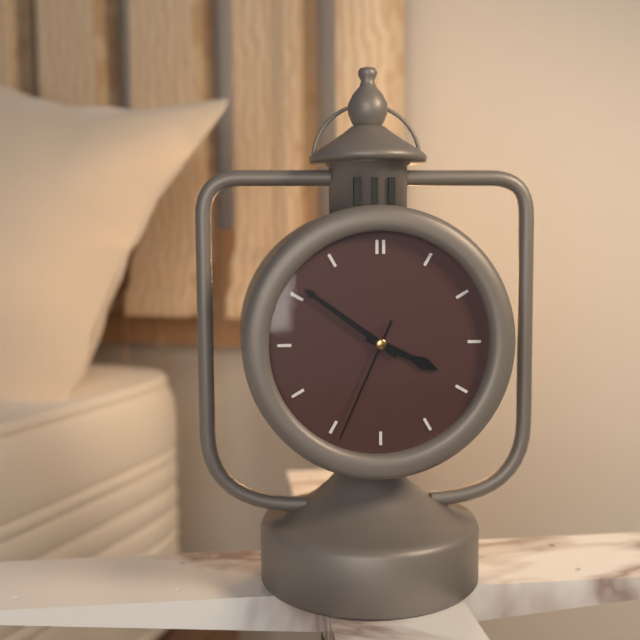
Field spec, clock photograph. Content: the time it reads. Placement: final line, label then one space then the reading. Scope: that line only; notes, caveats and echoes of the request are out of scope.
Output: 3:51:34
